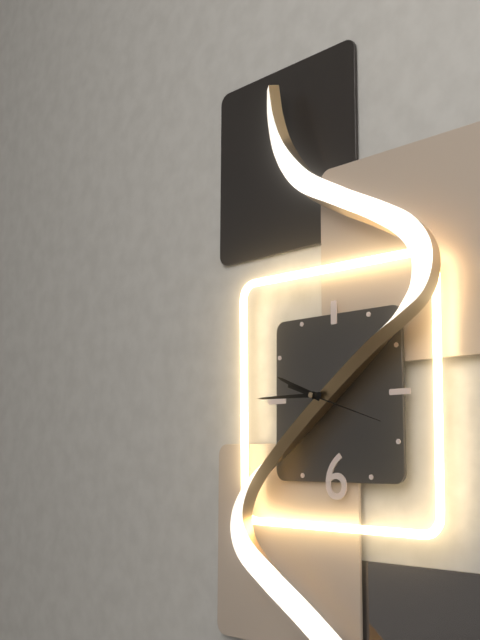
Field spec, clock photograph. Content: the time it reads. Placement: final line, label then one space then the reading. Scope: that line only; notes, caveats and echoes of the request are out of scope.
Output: 9:45:18
